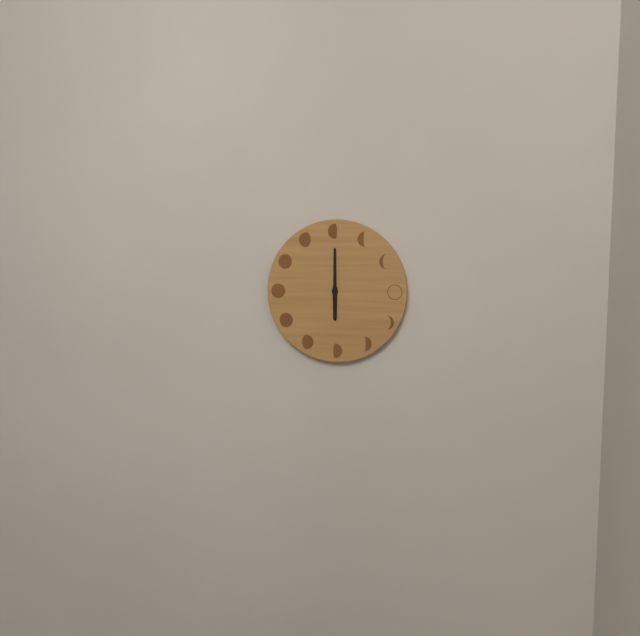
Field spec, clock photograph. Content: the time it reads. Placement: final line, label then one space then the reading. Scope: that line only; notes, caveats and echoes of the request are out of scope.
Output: 6:00
